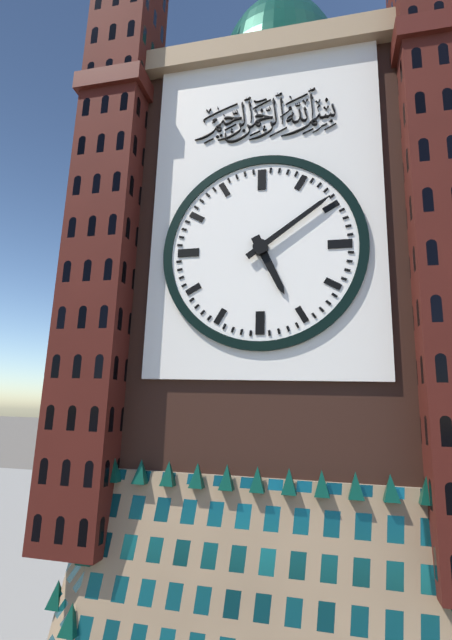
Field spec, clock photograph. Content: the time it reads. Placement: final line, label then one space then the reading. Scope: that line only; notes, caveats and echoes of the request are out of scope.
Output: 5:09
